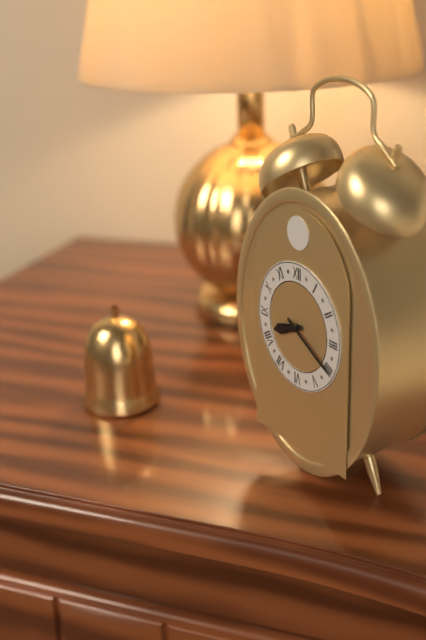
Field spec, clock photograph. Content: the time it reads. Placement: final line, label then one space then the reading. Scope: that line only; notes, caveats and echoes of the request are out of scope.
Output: 8:20
